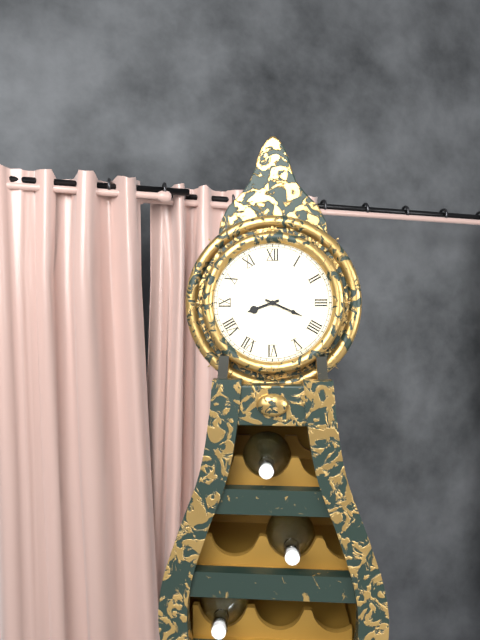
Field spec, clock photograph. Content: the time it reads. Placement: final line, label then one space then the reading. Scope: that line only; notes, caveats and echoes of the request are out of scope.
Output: 8:19
